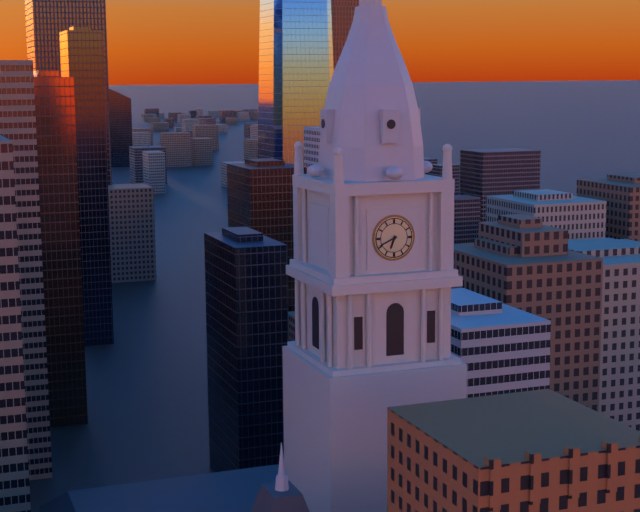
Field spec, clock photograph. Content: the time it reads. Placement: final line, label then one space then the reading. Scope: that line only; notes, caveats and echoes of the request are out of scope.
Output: 6:41
